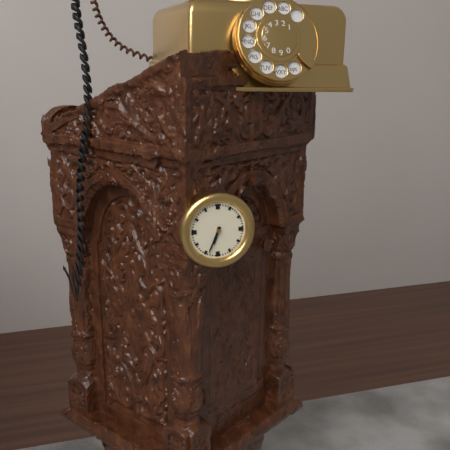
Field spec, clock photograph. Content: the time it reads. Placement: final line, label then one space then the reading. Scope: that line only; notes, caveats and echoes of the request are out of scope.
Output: 6:34
